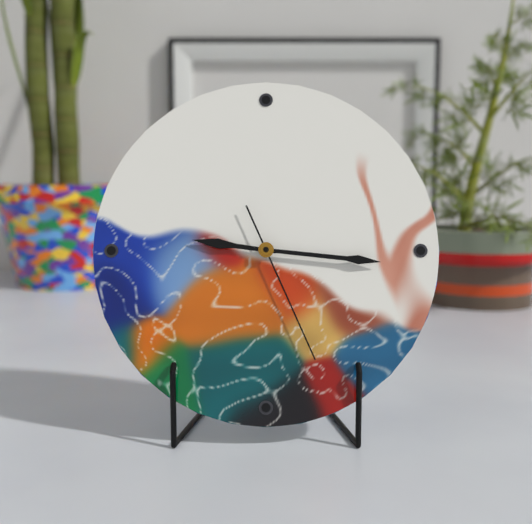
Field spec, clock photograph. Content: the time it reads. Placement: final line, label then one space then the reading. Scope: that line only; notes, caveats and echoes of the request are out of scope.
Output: 9:16:26
